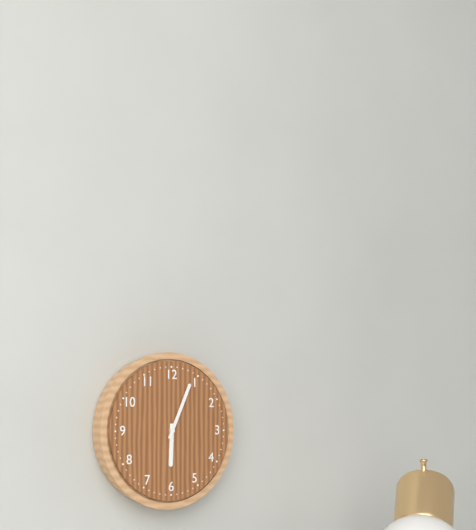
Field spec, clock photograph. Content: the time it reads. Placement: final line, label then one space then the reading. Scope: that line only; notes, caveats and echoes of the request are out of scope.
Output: 6:04
